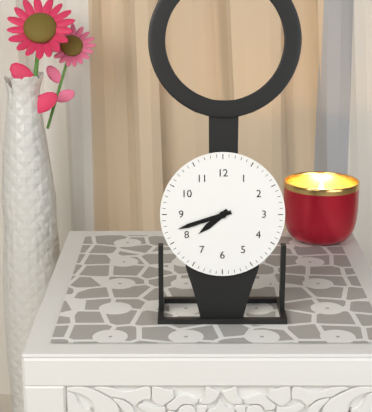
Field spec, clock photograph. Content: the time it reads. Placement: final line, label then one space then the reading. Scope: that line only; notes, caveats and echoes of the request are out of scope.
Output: 7:42
